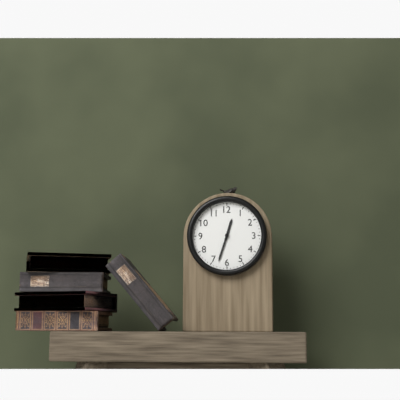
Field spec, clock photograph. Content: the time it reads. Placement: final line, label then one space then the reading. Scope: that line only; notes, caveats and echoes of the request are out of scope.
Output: 12:33
